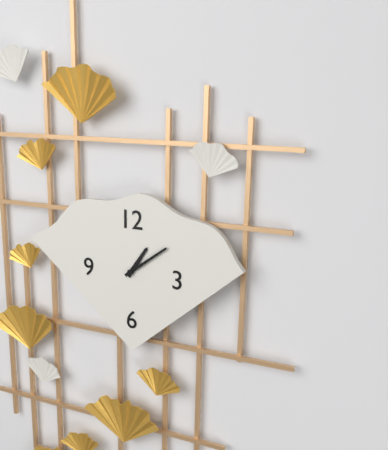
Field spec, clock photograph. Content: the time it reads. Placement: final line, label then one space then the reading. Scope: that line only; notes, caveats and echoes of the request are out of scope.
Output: 1:09
